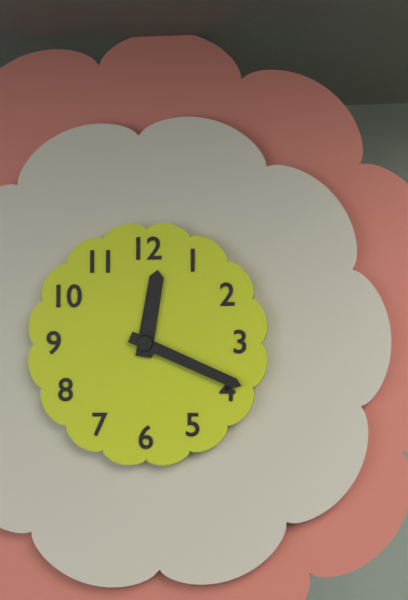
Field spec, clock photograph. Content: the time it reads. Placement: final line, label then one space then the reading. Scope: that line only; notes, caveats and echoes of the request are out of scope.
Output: 12:19
